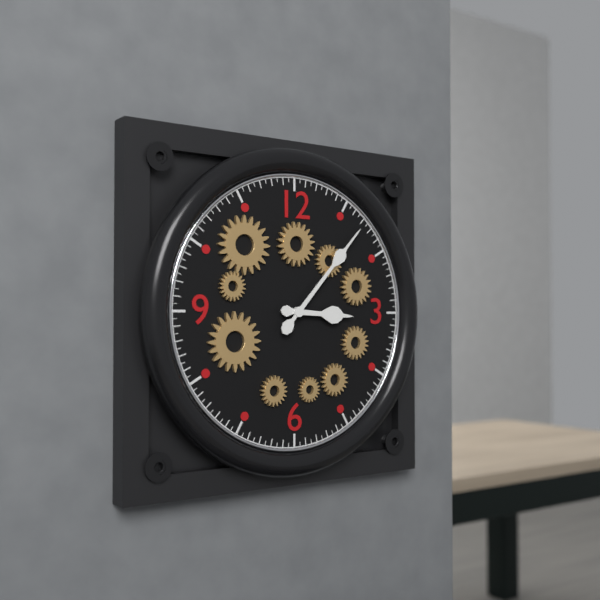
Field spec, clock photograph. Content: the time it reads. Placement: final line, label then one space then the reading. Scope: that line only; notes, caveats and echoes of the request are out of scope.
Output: 3:07
